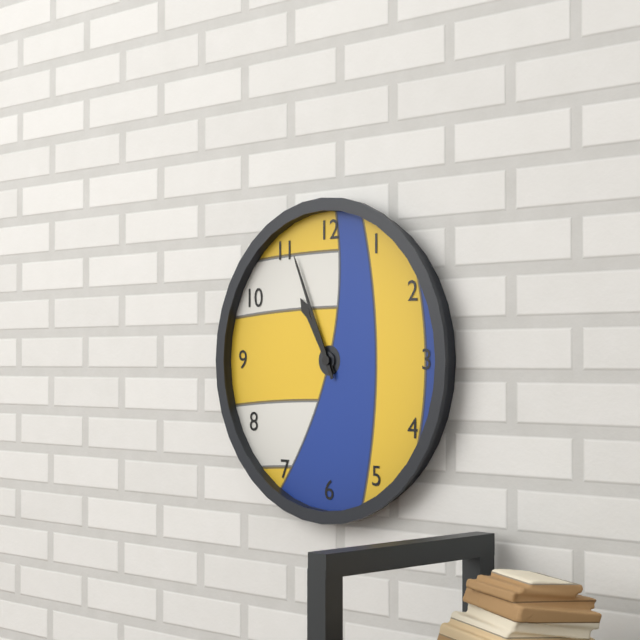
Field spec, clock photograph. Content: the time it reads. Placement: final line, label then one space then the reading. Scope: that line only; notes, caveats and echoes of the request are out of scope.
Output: 10:56
